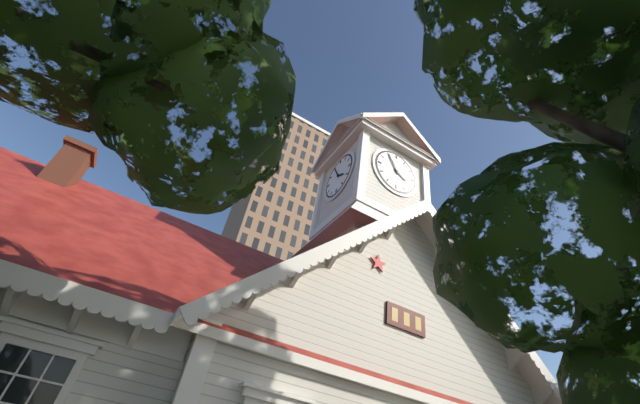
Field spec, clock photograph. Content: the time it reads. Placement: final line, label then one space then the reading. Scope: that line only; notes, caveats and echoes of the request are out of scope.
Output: 3:55
